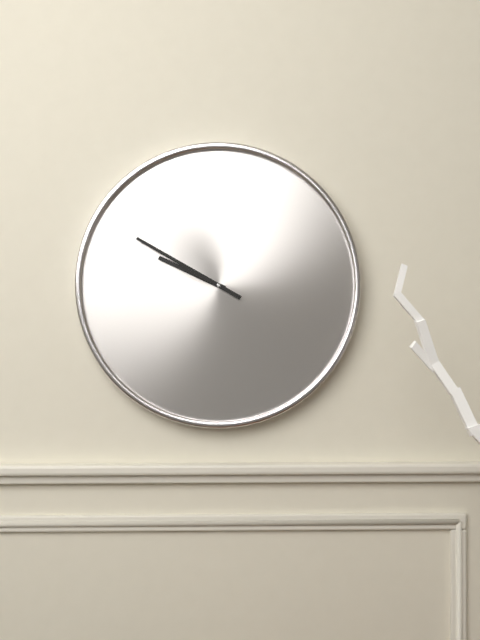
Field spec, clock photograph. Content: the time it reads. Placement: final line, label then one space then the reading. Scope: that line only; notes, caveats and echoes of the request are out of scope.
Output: 9:50
